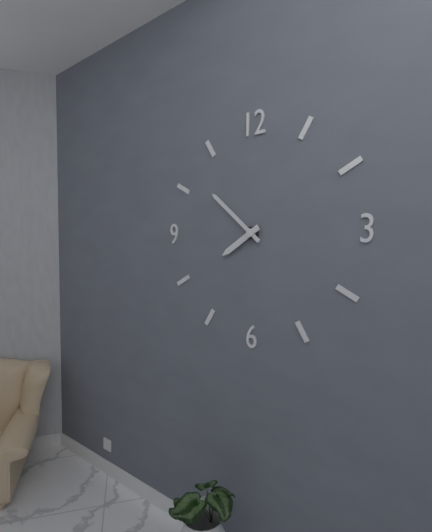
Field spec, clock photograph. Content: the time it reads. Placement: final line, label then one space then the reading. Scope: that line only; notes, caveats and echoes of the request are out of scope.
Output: 7:52
